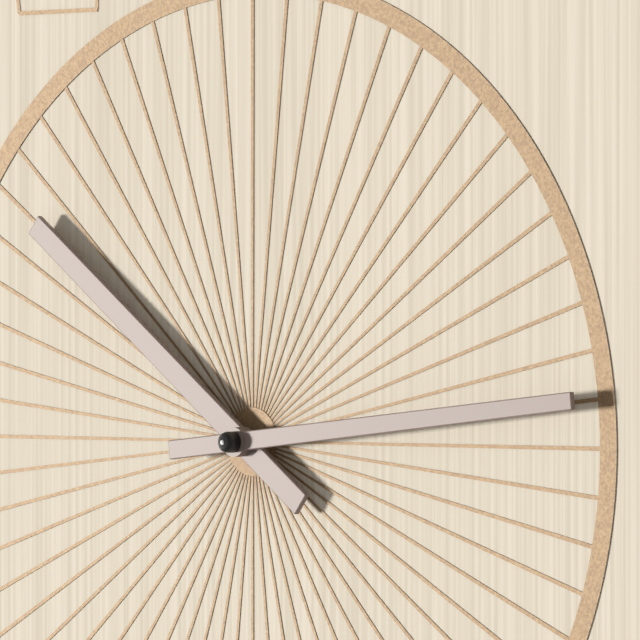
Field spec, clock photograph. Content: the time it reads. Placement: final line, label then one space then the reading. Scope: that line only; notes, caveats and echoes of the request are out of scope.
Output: 10:14
